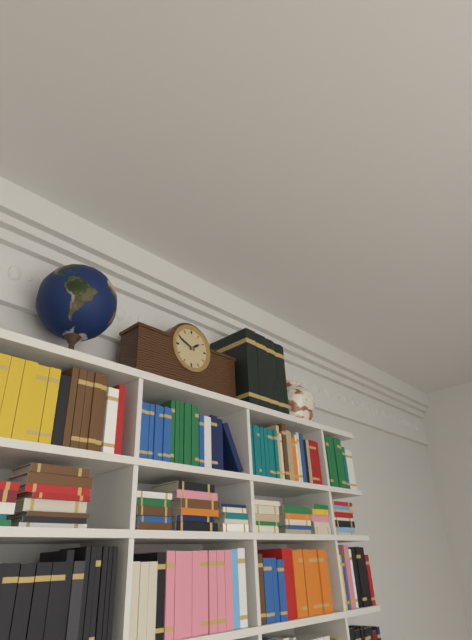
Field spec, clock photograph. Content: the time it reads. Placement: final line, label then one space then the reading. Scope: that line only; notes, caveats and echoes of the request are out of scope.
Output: 1:49
